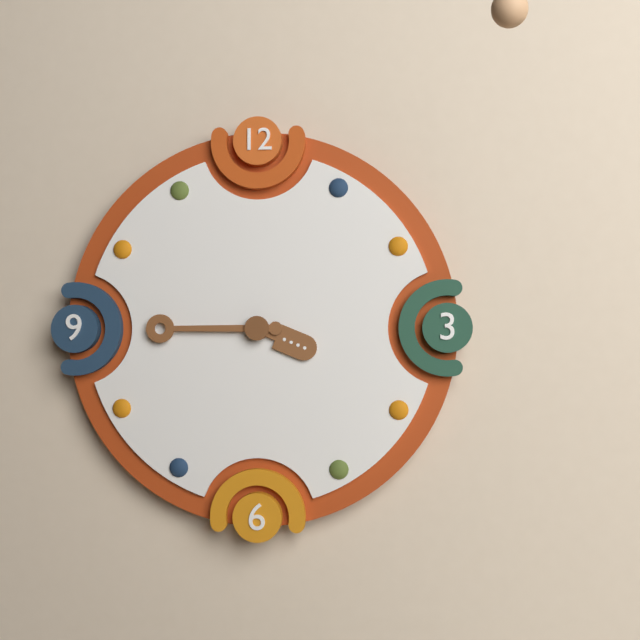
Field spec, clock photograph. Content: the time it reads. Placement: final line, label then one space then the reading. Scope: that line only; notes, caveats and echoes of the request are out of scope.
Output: 3:45
